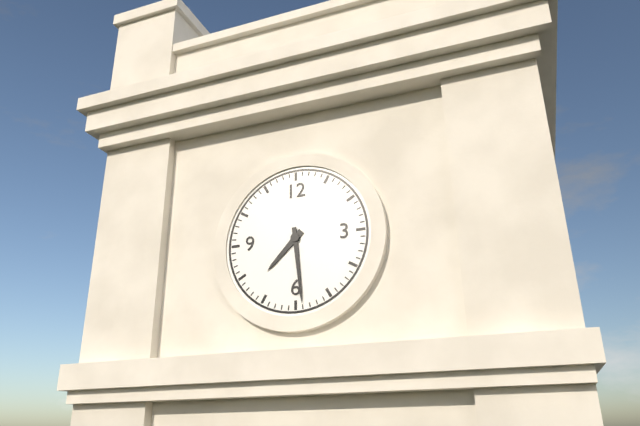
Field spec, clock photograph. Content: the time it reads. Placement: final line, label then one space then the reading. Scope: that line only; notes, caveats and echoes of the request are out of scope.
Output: 7:29
